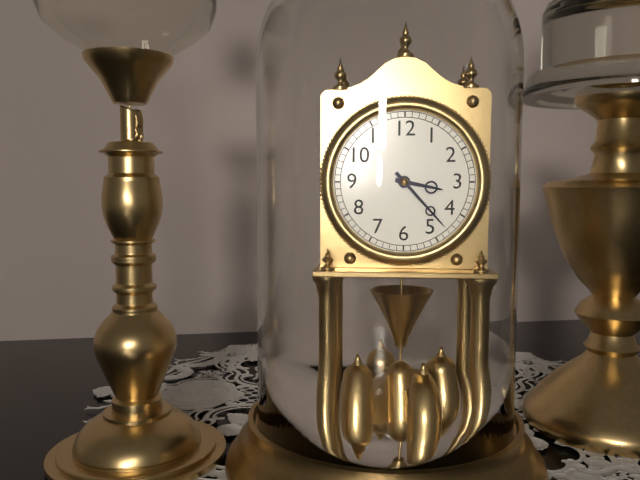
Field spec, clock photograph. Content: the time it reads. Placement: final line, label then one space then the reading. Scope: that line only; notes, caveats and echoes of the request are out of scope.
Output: 3:23
